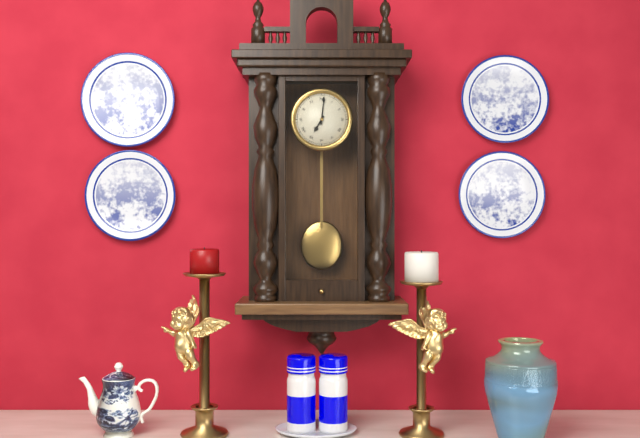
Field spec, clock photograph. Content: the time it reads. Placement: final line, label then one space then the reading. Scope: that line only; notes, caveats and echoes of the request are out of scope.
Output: 7:01
